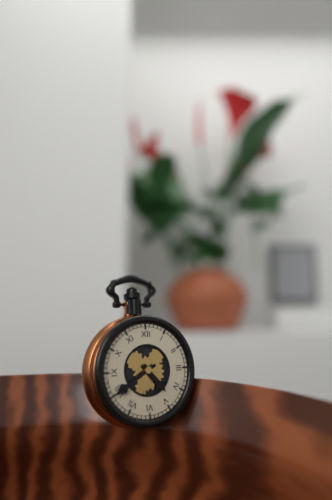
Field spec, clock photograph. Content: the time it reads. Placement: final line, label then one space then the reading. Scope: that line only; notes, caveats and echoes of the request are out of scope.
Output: 4:40
